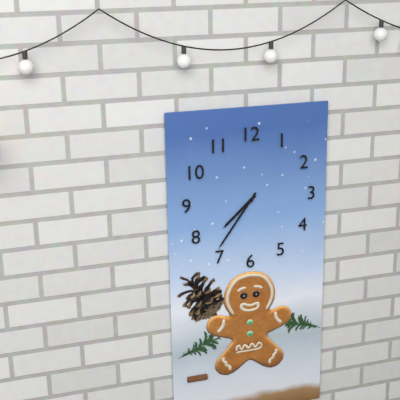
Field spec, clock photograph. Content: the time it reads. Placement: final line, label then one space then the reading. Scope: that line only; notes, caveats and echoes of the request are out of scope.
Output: 7:36
